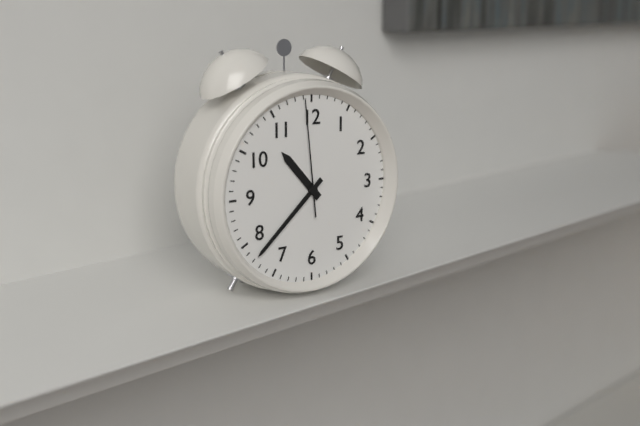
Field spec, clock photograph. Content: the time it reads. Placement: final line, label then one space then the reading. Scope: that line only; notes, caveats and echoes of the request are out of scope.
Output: 10:38:59
